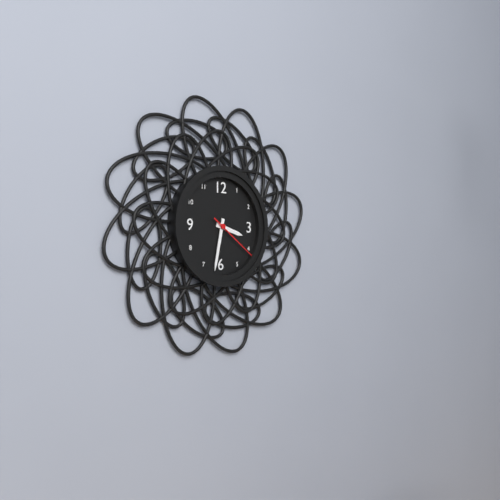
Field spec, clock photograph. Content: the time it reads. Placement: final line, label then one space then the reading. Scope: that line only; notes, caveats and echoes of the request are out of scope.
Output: 3:32:21
